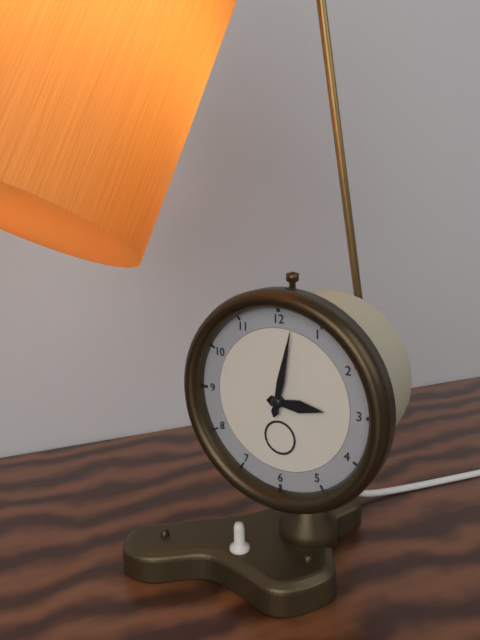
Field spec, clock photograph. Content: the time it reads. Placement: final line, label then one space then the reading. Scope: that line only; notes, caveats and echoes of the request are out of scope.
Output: 3:02
